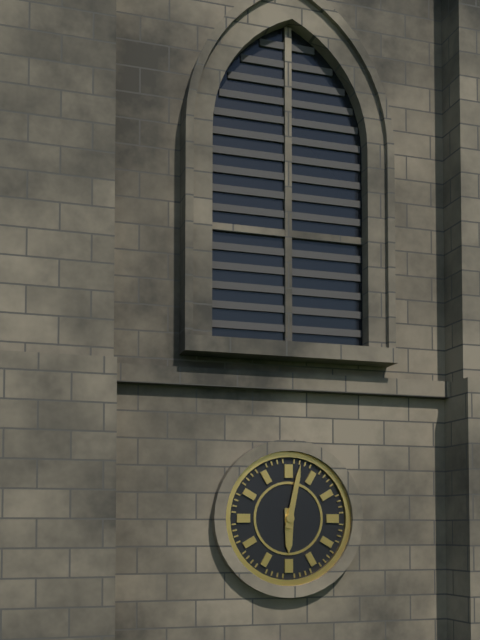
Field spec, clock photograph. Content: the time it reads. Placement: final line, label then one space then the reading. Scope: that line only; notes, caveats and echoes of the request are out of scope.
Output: 6:02
